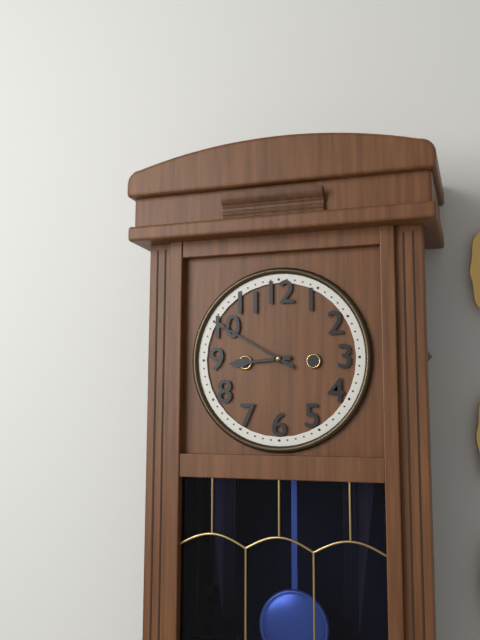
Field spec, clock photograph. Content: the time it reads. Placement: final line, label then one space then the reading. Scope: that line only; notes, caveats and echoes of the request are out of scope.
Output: 8:50
